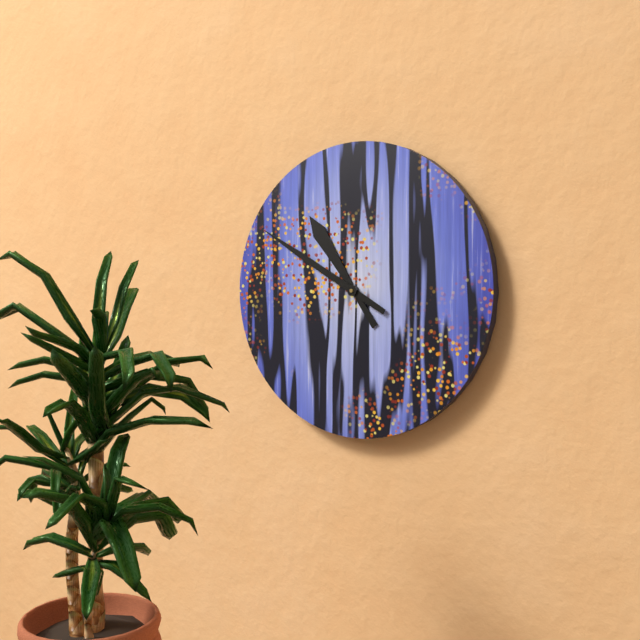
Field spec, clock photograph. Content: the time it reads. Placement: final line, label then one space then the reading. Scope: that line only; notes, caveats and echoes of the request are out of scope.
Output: 10:50
